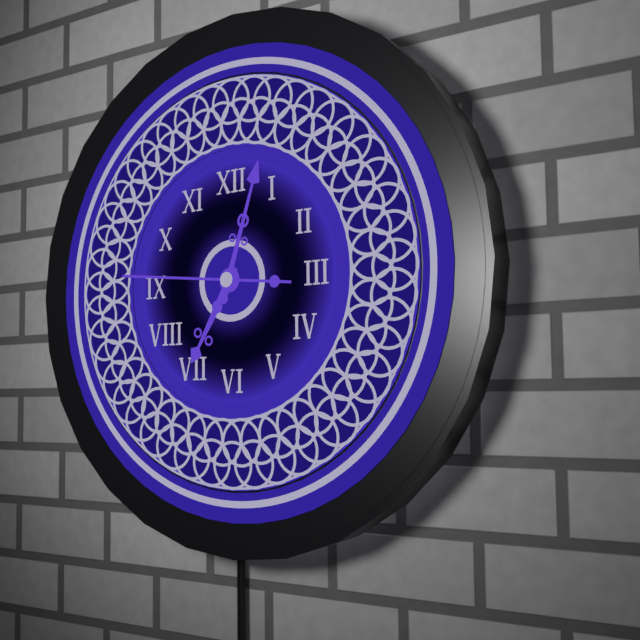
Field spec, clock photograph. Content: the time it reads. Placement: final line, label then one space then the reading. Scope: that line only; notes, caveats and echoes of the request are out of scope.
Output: 7:03:46
